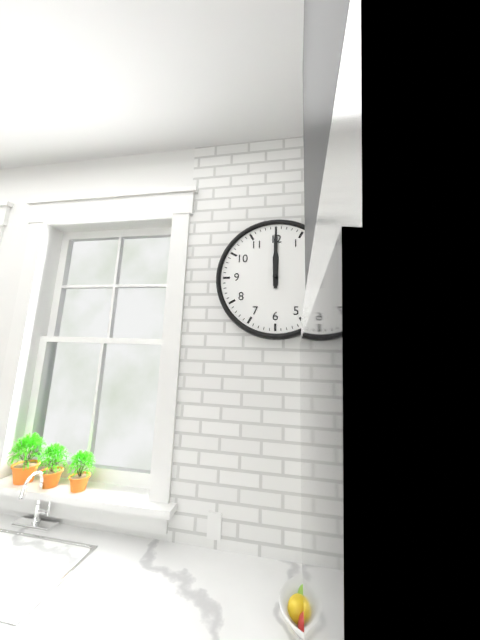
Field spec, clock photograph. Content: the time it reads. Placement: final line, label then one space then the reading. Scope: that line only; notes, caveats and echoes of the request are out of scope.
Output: 12:00
